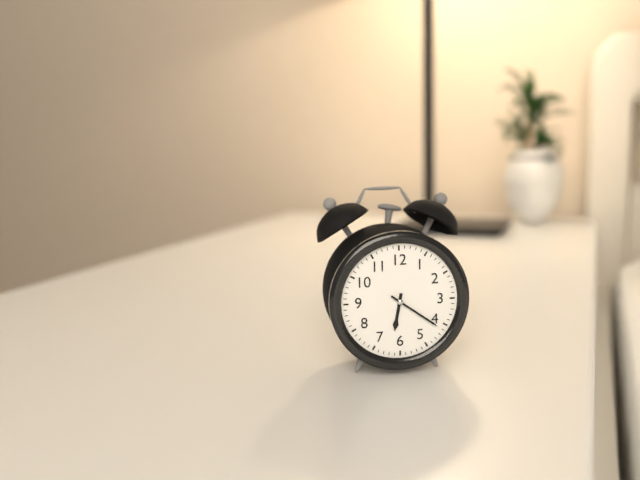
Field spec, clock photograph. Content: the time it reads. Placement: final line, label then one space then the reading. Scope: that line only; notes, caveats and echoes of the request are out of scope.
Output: 6:21
